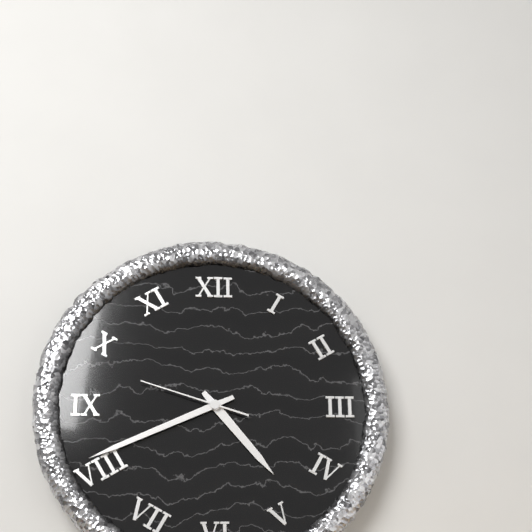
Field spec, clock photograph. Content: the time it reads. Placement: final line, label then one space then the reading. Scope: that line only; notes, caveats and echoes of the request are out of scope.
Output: 4:41:48
